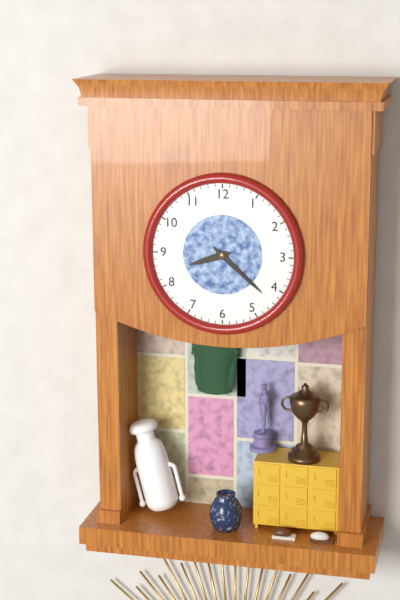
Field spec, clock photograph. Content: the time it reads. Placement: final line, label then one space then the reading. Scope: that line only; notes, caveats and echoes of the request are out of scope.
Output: 8:22
